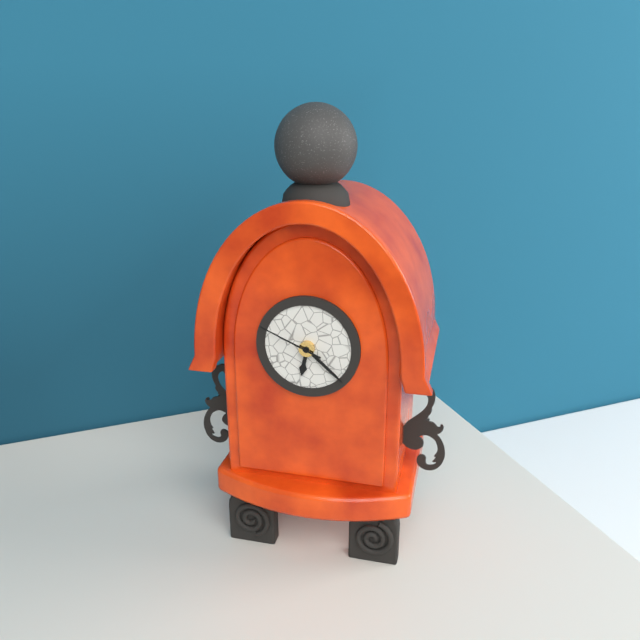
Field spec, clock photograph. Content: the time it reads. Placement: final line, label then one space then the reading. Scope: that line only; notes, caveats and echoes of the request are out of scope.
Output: 6:22:49
